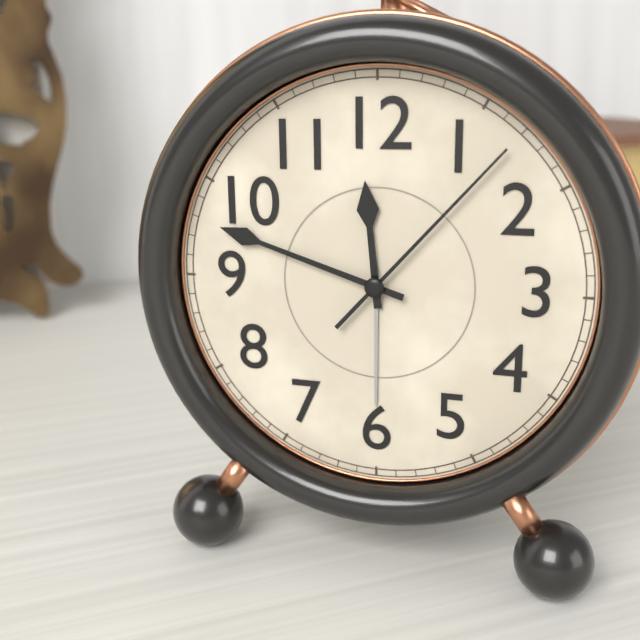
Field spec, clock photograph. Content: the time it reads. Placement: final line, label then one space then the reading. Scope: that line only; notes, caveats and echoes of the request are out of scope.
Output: 11:48:07
